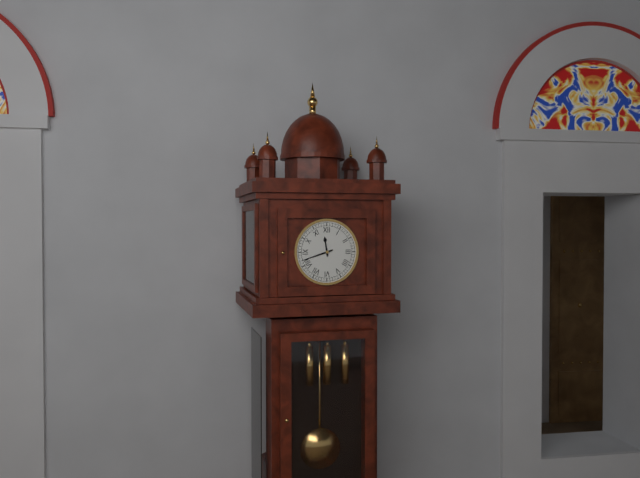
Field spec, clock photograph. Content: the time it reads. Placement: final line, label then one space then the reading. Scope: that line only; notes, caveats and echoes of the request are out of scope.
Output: 11:42
